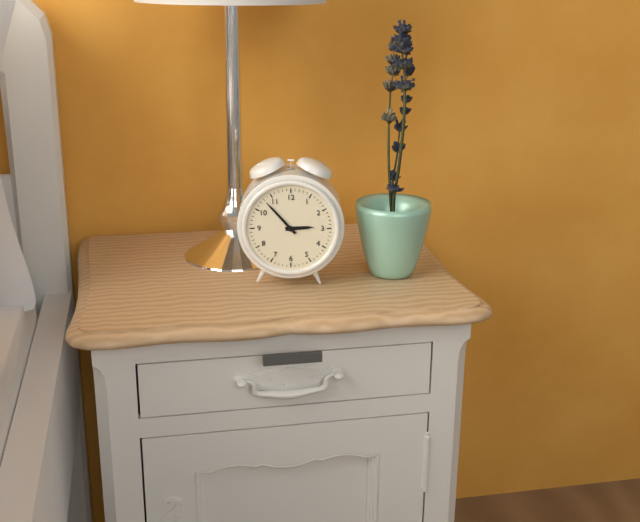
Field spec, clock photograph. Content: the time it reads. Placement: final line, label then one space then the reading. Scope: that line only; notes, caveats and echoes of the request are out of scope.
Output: 2:53
